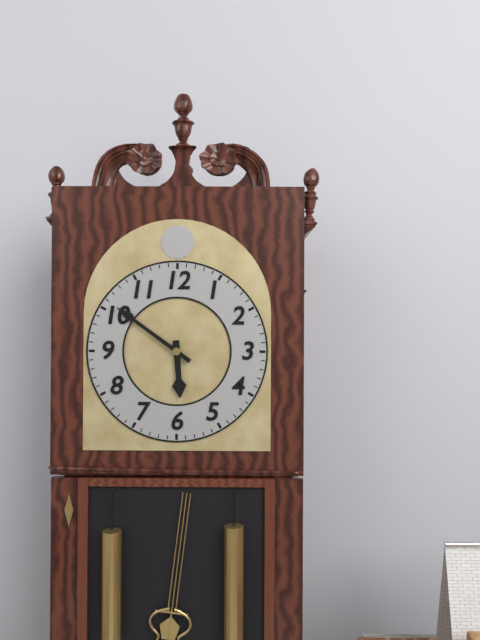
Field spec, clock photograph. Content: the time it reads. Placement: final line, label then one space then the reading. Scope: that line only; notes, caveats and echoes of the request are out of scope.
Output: 5:51
